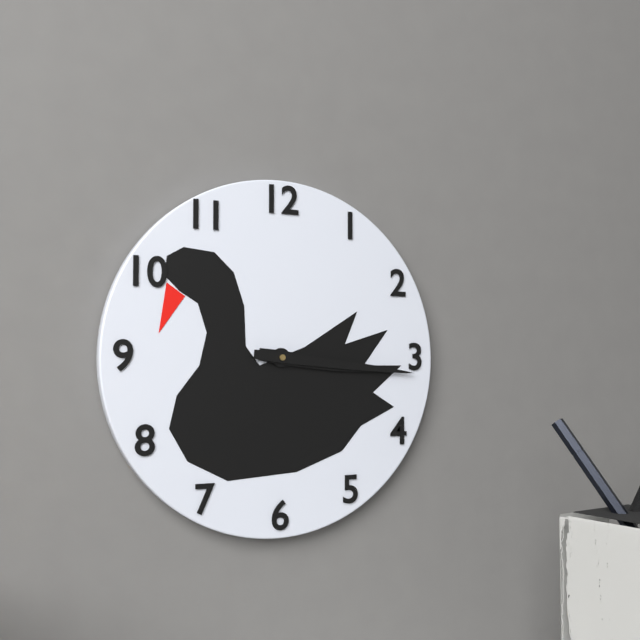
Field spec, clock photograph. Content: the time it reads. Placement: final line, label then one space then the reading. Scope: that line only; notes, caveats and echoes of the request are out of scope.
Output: 3:16
